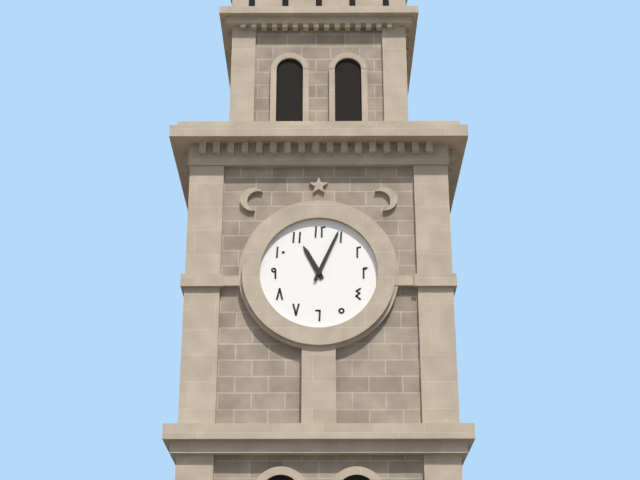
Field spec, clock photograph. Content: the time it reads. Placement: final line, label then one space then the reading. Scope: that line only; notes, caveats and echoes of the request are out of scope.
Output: 11:04
